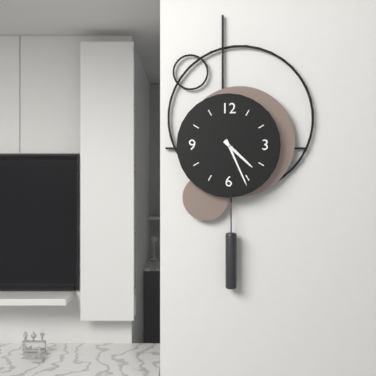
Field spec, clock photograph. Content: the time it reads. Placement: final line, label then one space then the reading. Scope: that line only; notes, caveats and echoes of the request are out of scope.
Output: 4:26
